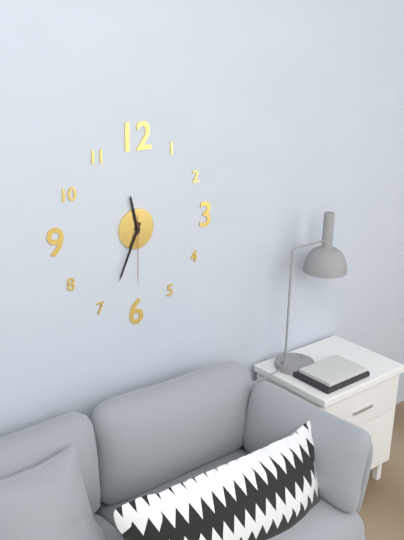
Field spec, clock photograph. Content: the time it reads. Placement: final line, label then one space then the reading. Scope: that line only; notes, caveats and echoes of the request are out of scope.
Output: 11:34:30
